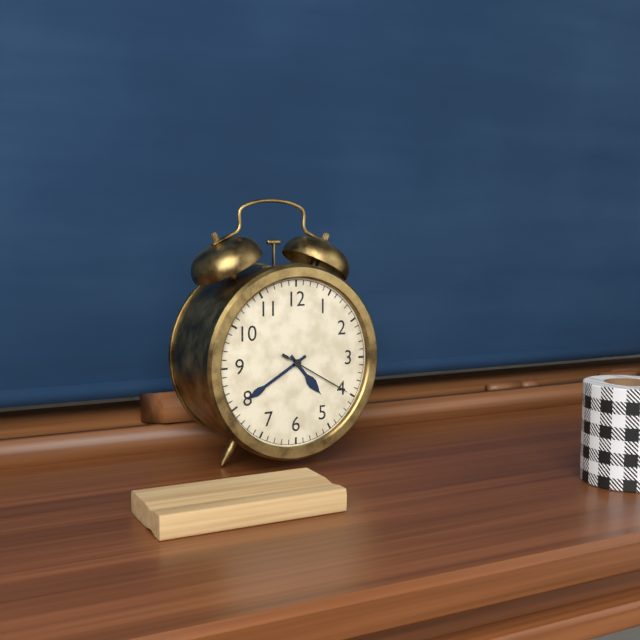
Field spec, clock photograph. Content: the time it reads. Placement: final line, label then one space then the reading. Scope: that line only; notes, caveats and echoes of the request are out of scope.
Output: 4:40:20
